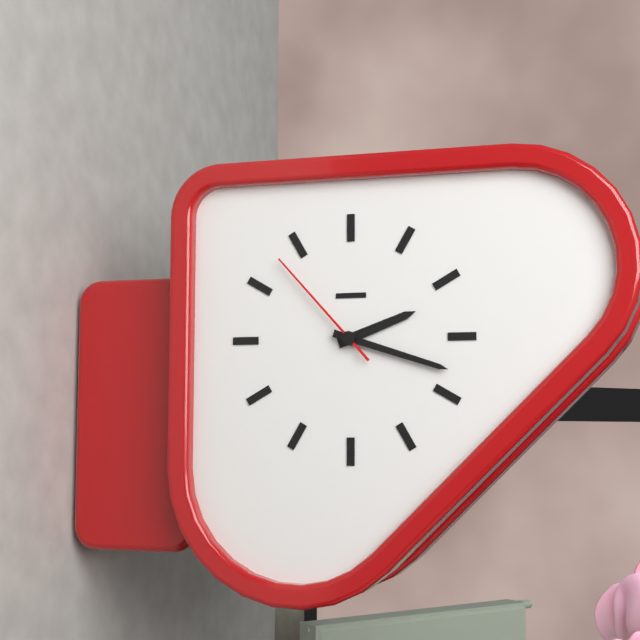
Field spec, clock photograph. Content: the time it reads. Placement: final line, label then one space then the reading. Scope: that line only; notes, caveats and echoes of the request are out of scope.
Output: 2:18:53
